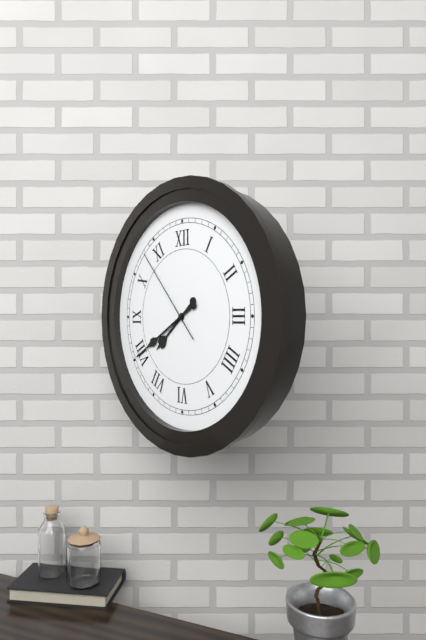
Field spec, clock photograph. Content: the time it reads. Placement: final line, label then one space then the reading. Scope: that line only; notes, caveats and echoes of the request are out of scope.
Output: 7:40:53
